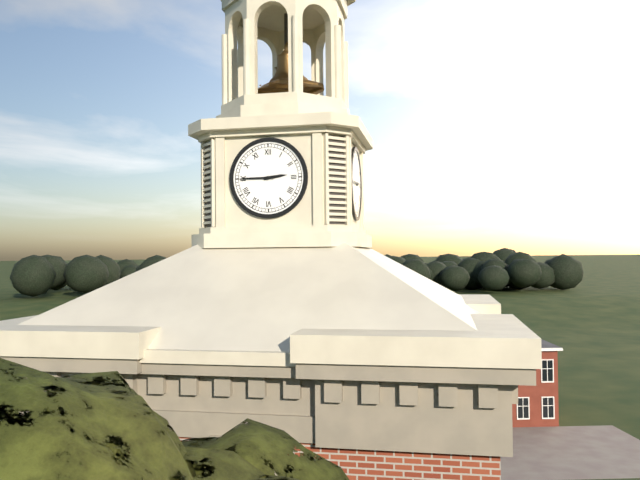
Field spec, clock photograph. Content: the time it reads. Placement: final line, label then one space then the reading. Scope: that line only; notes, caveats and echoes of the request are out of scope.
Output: 2:45
